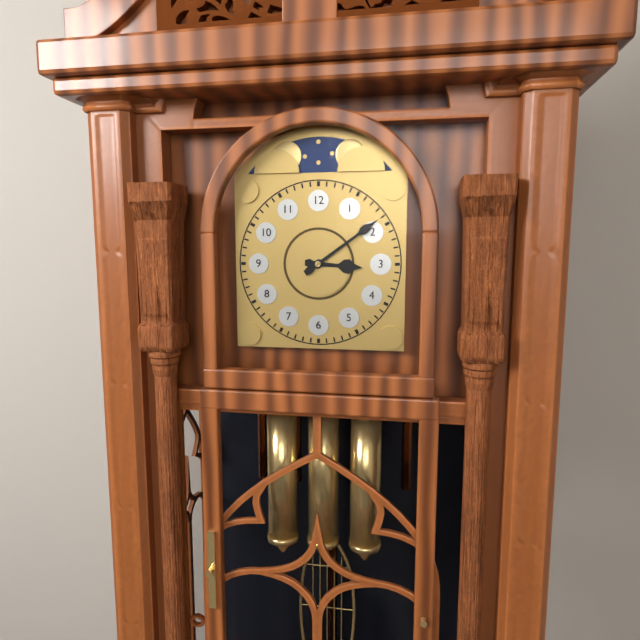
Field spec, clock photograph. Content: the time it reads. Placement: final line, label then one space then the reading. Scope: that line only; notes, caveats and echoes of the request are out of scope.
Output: 3:09
